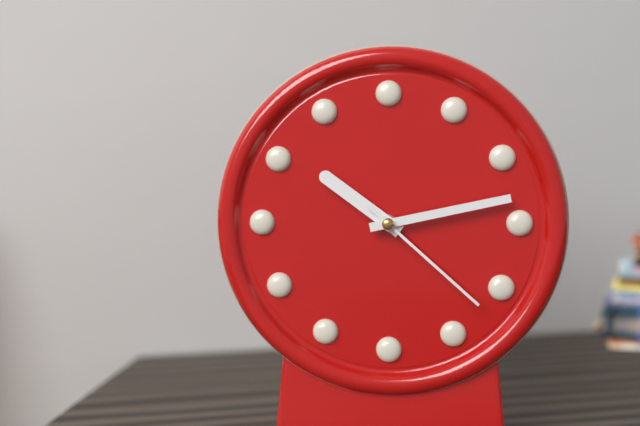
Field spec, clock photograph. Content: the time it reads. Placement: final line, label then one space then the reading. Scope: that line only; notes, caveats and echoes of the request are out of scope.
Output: 10:13:22
